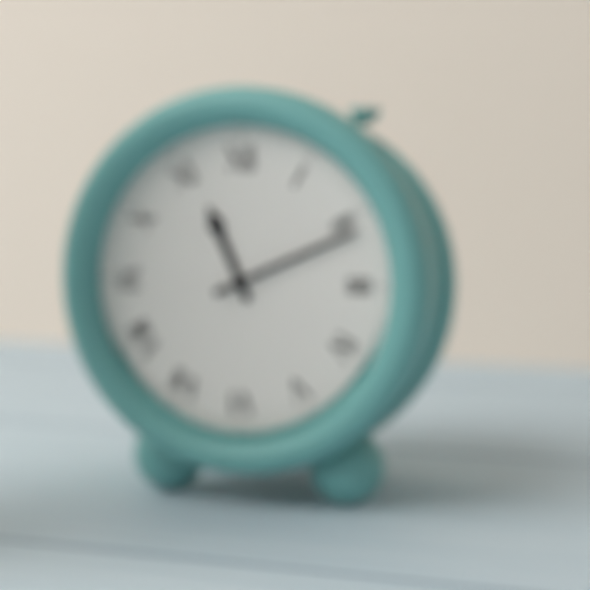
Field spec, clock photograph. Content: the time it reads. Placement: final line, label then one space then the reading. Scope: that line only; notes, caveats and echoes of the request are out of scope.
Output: 11:11
